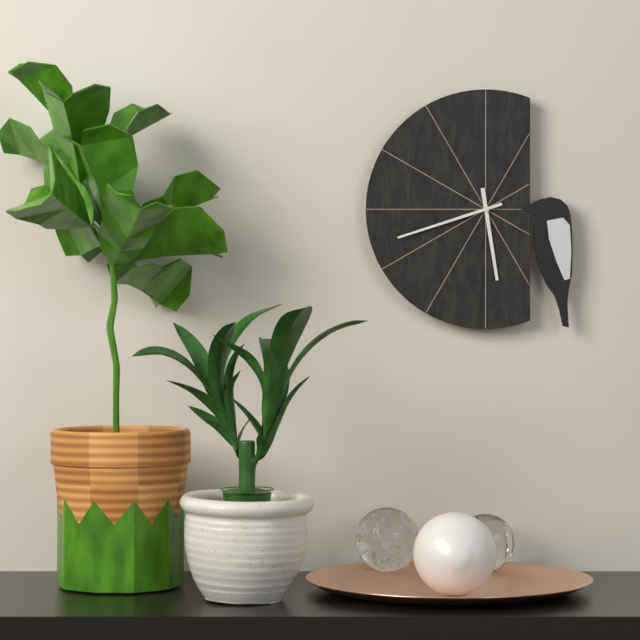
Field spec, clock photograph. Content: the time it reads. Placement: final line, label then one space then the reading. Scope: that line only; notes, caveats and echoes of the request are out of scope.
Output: 5:42
